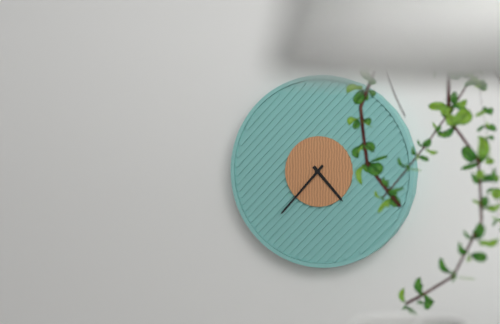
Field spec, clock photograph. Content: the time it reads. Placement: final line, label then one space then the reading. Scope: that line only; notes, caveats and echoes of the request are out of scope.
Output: 4:37
